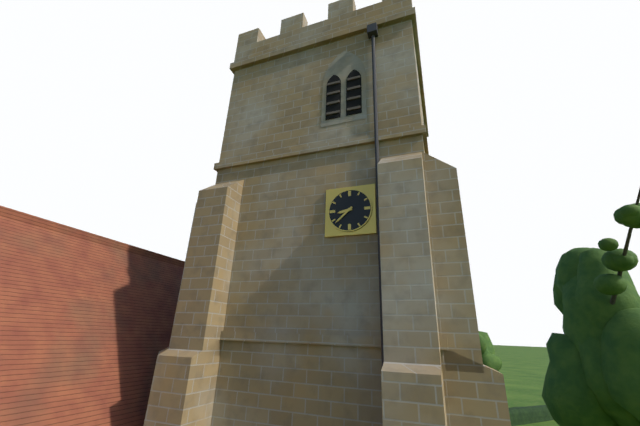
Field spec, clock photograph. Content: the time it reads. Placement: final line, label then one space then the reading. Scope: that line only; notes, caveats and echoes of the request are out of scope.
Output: 8:38
